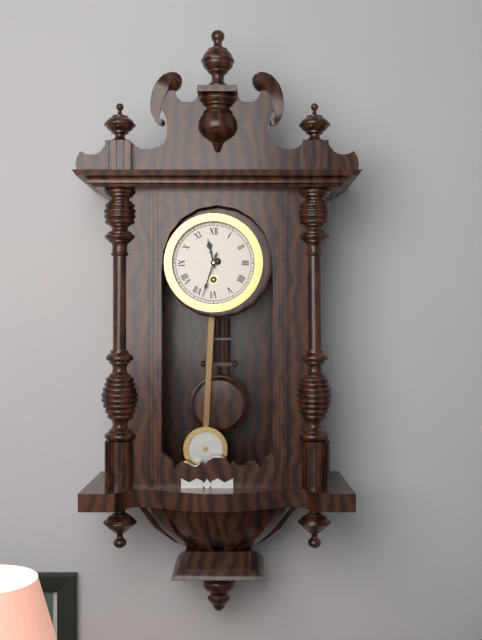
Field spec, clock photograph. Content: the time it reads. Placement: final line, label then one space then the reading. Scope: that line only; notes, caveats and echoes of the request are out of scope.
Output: 11:33
